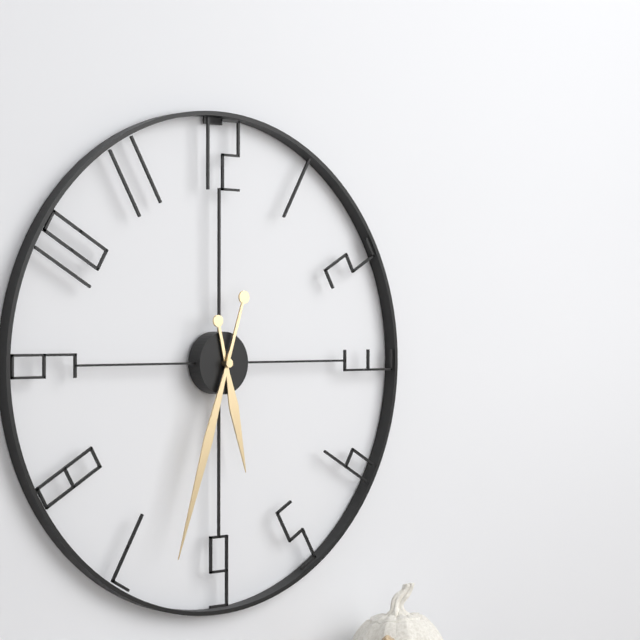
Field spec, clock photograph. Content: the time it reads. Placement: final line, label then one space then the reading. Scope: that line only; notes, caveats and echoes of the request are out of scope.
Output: 5:33
